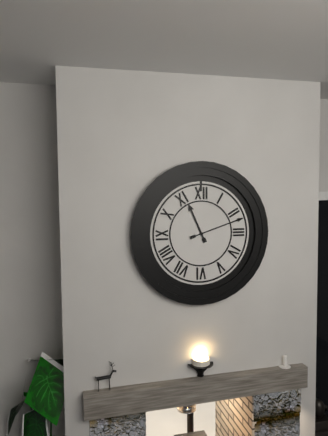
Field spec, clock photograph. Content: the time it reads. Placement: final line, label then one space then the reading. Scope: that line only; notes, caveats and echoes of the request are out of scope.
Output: 11:12
